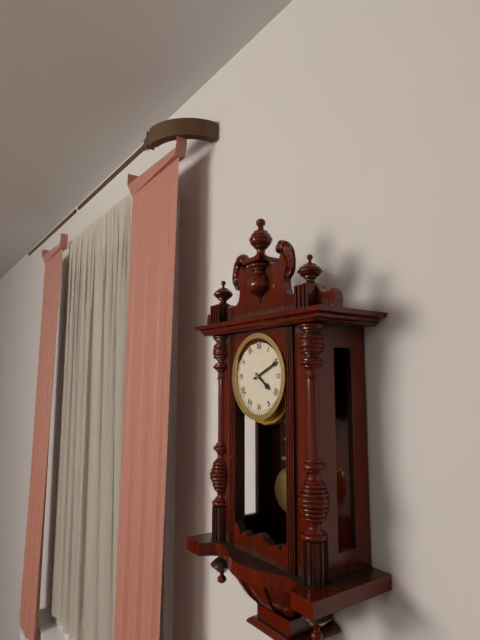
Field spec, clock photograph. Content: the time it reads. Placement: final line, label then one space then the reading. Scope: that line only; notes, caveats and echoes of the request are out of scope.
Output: 4:11
